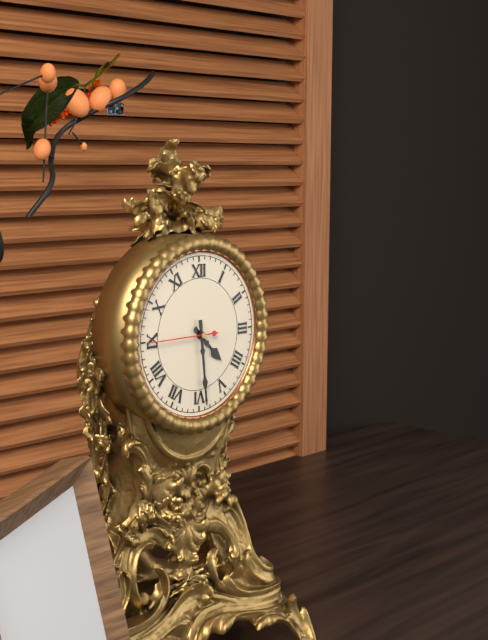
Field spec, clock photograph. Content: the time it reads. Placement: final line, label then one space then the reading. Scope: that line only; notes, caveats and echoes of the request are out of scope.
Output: 4:29:45
